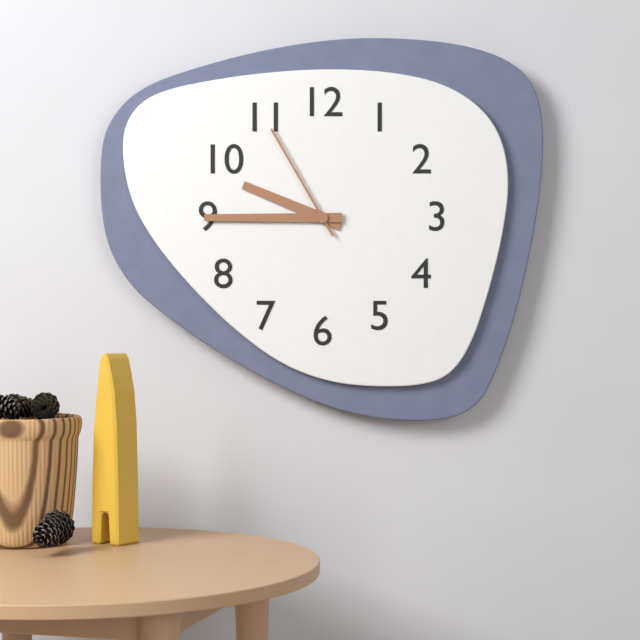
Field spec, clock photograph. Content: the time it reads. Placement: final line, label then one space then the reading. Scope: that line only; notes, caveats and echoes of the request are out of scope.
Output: 9:45:55
